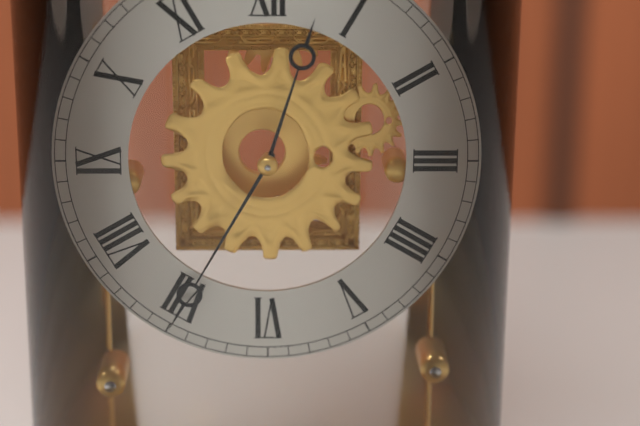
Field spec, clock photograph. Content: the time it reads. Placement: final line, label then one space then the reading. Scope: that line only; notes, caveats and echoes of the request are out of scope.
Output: 12:35
